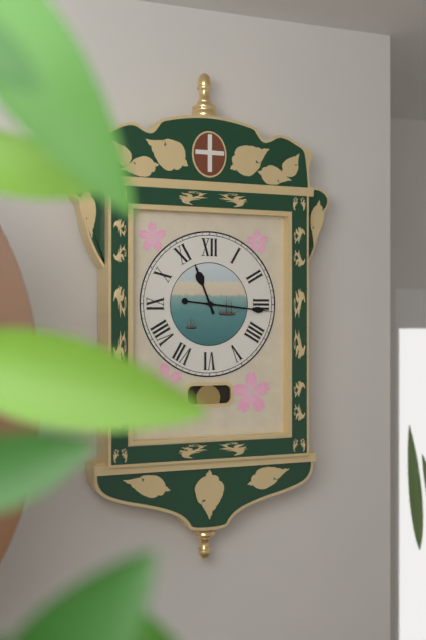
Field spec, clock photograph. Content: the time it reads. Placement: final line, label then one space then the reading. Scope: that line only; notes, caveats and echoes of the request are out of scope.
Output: 11:16
